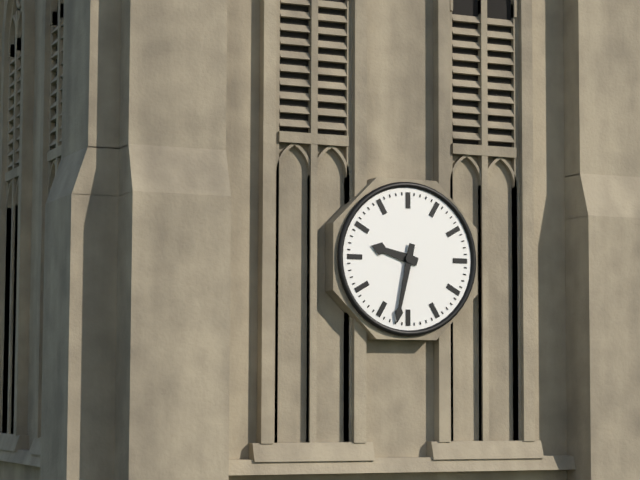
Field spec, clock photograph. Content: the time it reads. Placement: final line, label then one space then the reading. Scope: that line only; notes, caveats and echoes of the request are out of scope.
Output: 9:32
